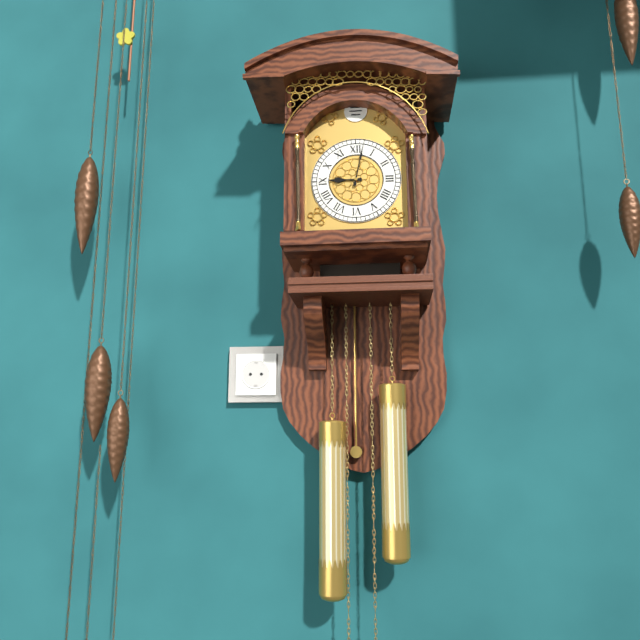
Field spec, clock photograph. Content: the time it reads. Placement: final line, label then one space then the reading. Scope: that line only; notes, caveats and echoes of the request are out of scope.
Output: 9:02
